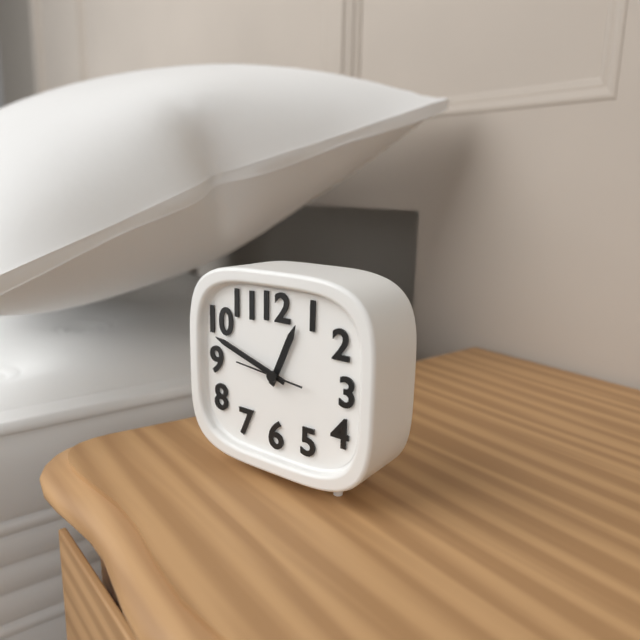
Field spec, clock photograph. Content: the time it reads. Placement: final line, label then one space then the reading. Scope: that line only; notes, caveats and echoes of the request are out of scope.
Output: 12:48
